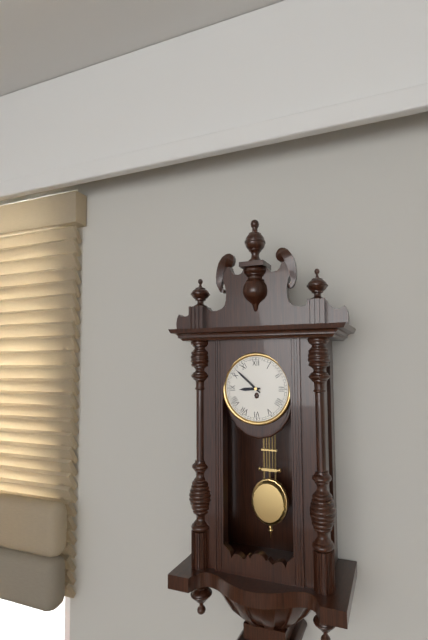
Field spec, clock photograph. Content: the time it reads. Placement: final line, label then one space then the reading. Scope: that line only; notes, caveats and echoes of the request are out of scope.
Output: 8:52
